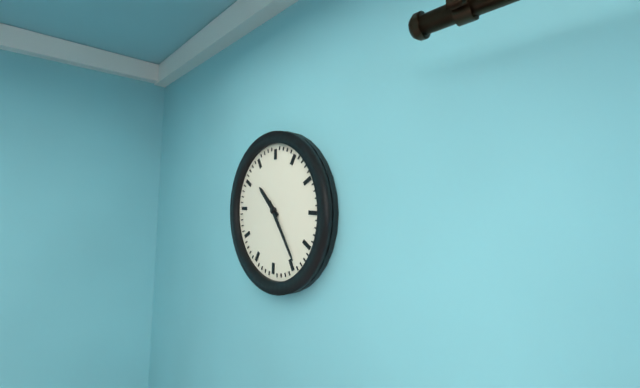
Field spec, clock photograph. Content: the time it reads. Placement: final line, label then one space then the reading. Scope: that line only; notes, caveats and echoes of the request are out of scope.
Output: 10:24
